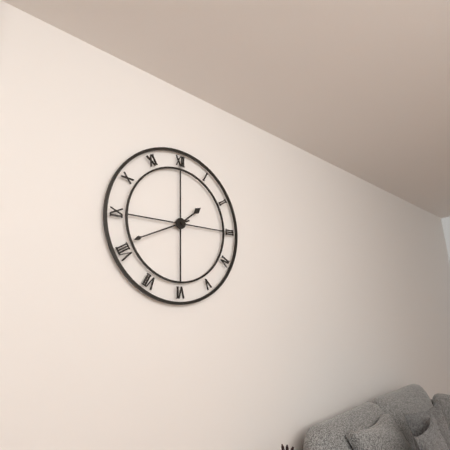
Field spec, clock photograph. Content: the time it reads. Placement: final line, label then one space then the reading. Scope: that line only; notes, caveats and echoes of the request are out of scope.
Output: 1:41
